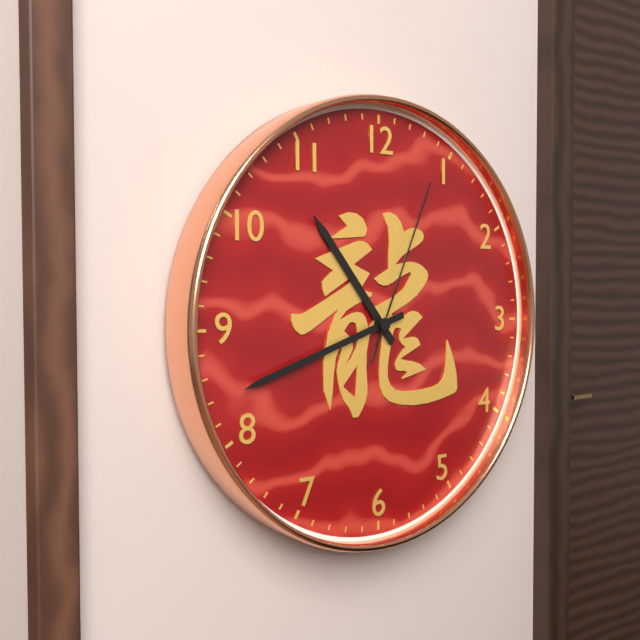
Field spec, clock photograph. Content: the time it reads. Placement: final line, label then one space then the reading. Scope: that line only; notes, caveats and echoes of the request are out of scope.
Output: 10:42:04
